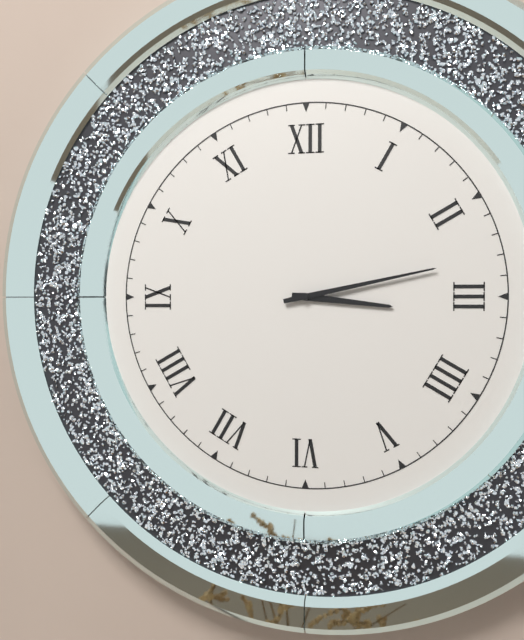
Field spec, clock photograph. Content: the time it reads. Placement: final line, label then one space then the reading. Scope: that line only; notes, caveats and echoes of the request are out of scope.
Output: 3:13
